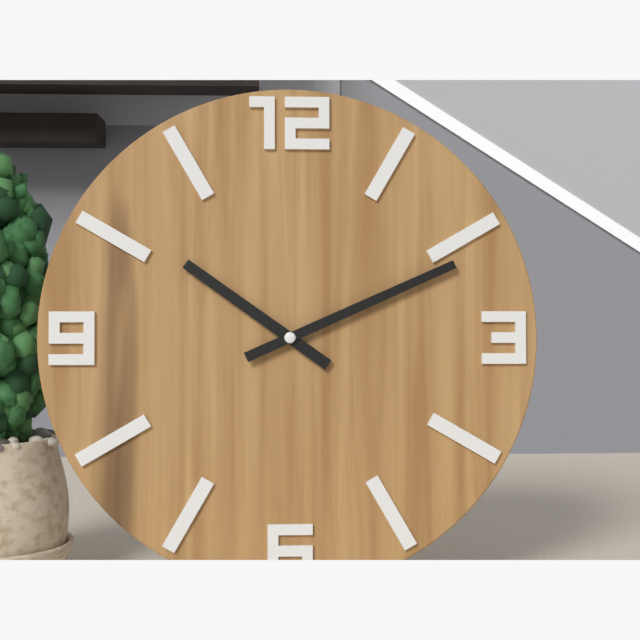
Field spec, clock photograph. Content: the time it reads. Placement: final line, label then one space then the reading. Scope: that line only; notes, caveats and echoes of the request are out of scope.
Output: 10:11
